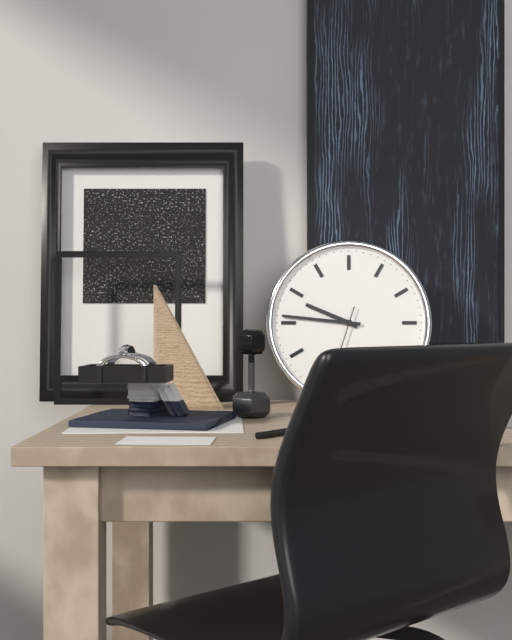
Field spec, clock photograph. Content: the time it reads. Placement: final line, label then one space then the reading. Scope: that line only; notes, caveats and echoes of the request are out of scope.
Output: 9:46
